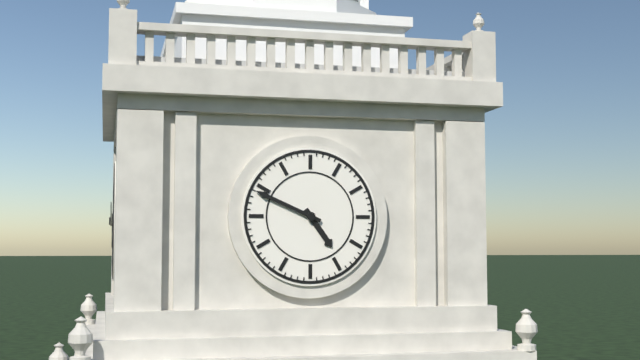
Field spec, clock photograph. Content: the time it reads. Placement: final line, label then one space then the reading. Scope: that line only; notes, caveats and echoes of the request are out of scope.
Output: 4:49
